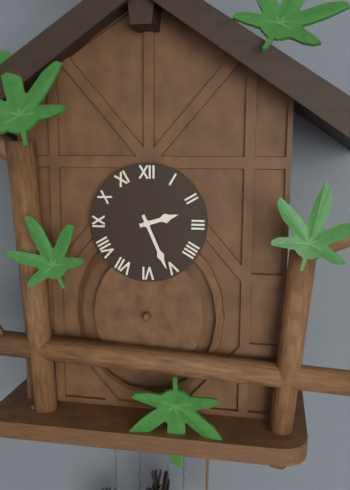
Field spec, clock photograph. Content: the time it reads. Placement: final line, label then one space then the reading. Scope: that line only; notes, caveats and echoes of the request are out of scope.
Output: 2:26
